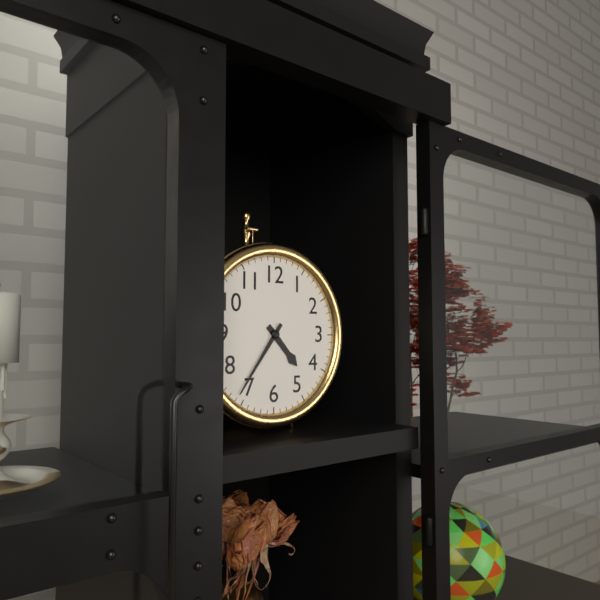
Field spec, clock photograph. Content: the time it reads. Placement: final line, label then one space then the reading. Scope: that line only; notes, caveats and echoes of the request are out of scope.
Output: 4:36
